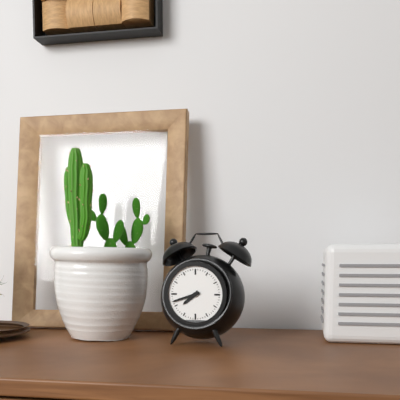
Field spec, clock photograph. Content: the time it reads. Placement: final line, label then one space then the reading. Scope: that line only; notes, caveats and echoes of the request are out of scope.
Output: 7:42
